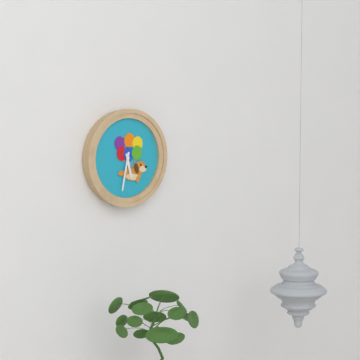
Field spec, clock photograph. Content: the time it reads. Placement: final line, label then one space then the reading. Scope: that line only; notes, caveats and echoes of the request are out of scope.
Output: 5:32
